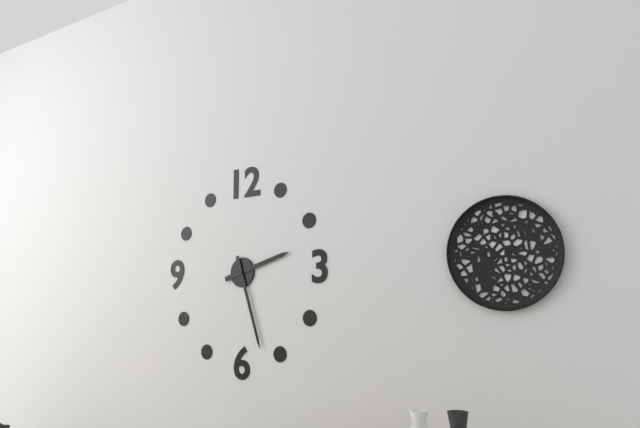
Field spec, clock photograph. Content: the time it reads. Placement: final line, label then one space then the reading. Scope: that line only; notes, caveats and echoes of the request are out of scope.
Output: 2:27
